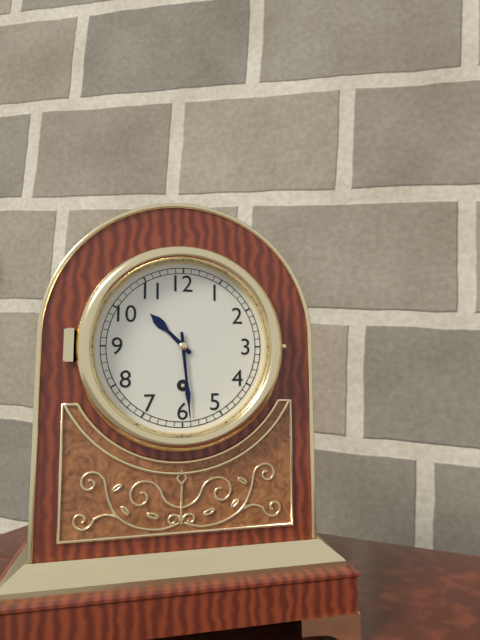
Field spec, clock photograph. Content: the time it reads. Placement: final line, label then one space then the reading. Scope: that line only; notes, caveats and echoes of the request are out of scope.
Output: 10:29
